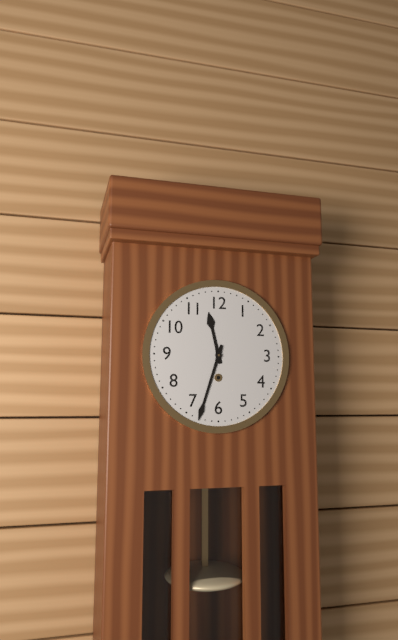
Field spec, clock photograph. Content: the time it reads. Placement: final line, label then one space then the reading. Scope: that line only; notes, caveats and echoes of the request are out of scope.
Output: 11:33
